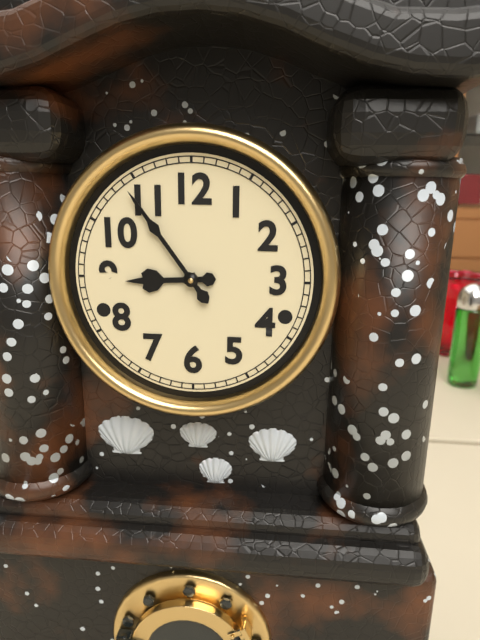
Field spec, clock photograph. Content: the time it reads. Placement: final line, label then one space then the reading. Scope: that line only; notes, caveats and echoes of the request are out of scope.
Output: 8:54
